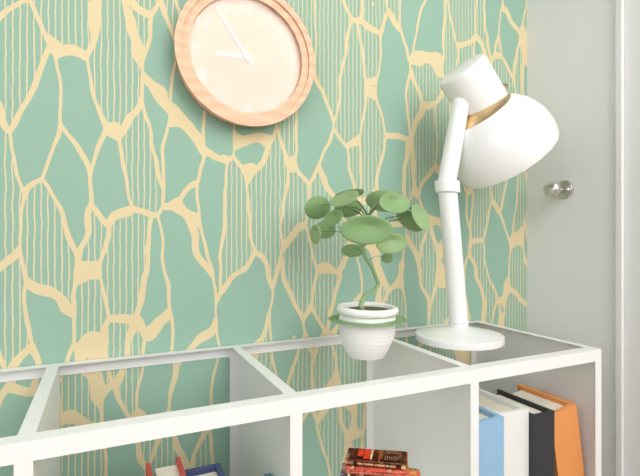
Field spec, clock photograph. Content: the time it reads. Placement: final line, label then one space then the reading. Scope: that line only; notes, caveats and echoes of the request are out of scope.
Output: 8:54
